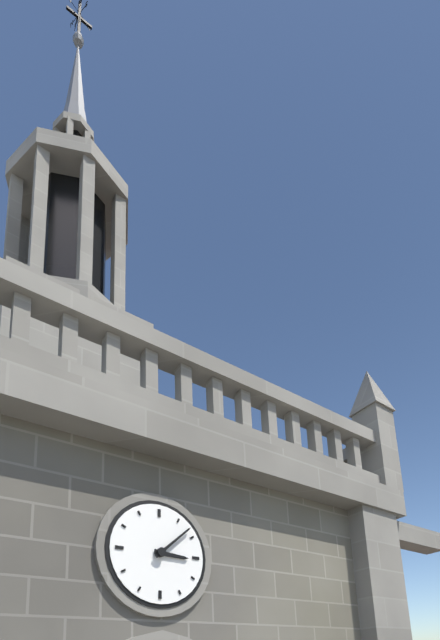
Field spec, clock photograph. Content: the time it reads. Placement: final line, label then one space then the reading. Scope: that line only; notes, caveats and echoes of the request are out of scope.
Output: 3:08
